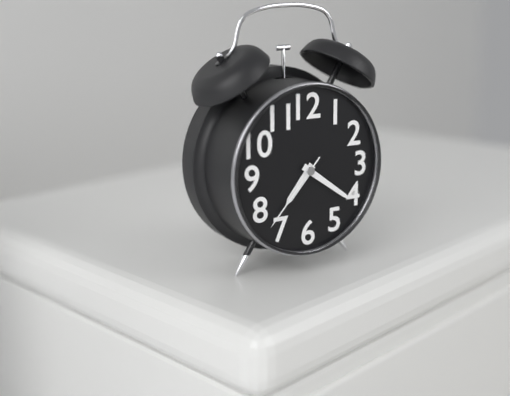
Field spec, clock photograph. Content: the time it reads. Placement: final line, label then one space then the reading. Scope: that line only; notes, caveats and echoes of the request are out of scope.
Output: 7:21:37
